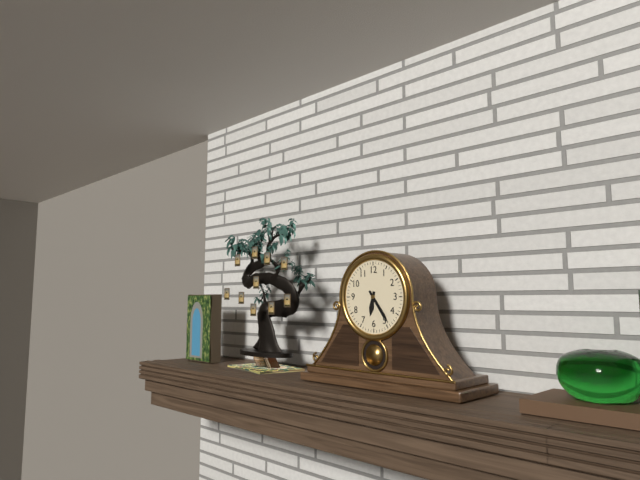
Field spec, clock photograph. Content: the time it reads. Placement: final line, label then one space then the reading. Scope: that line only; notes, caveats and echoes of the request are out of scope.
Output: 6:24
